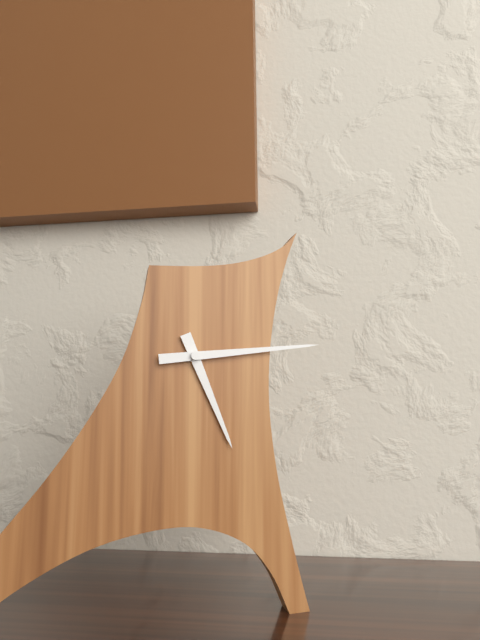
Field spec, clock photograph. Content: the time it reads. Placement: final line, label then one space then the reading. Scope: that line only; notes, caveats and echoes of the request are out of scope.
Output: 5:14
